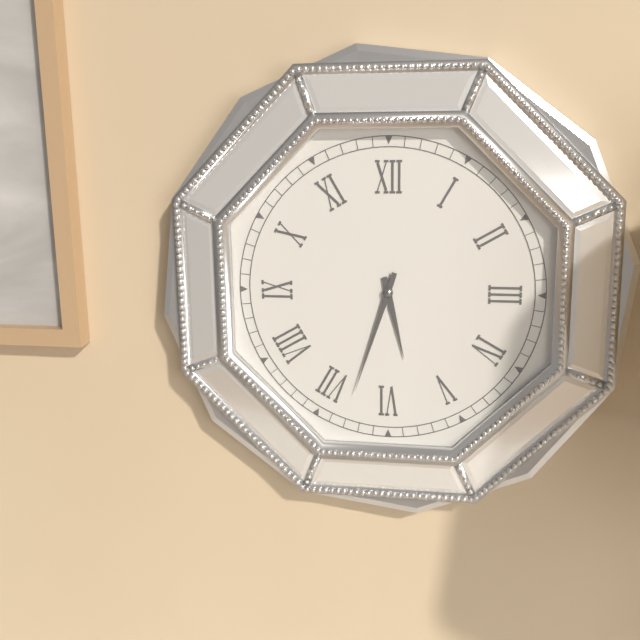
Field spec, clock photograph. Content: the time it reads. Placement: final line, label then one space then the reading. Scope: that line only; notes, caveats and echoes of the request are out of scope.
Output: 5:33
